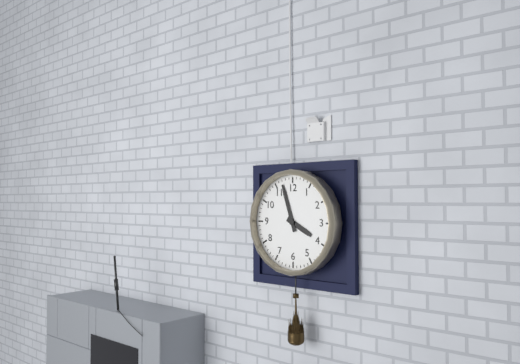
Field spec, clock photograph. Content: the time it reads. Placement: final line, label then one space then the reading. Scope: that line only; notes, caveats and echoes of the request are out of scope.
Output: 3:57
